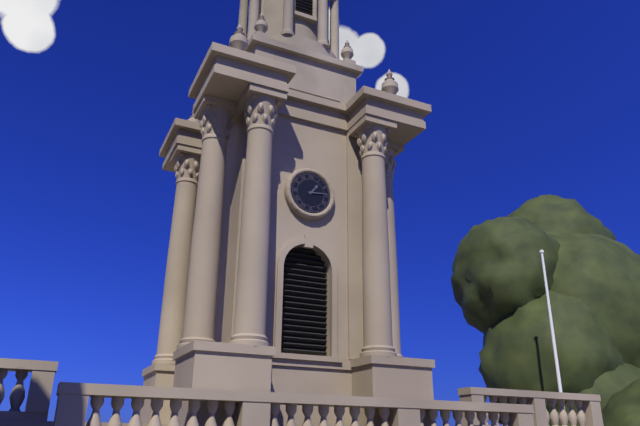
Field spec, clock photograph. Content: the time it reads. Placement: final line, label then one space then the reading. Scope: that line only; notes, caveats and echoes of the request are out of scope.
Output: 1:14
